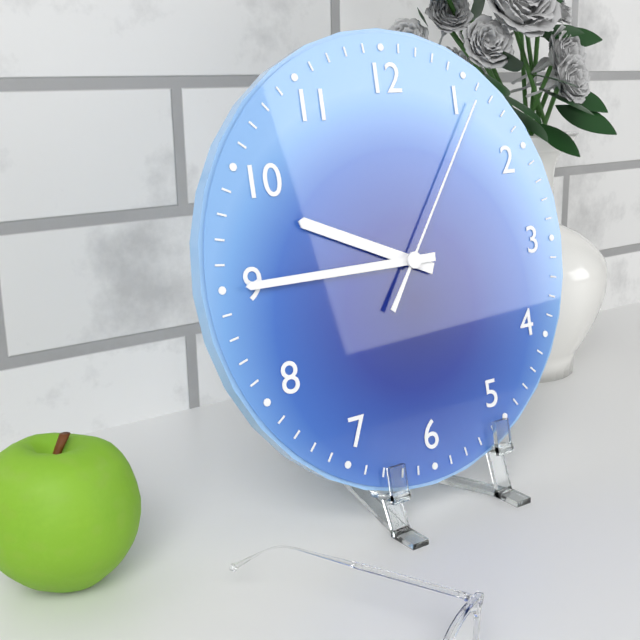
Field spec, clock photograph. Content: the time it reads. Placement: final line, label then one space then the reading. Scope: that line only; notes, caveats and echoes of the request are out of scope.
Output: 9:45:06
